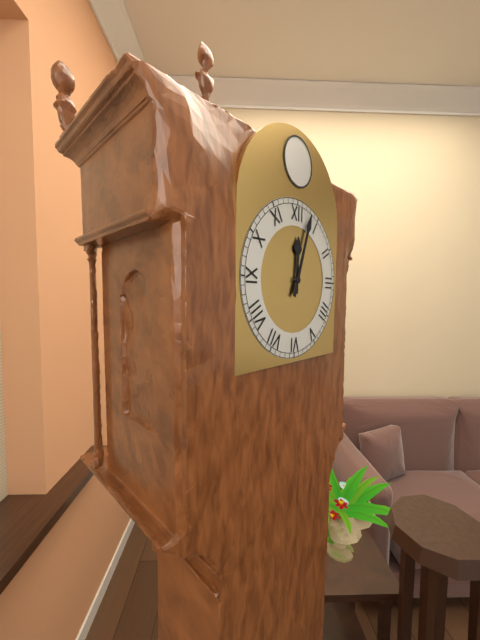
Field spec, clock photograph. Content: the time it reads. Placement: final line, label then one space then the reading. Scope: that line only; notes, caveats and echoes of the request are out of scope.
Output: 12:03
